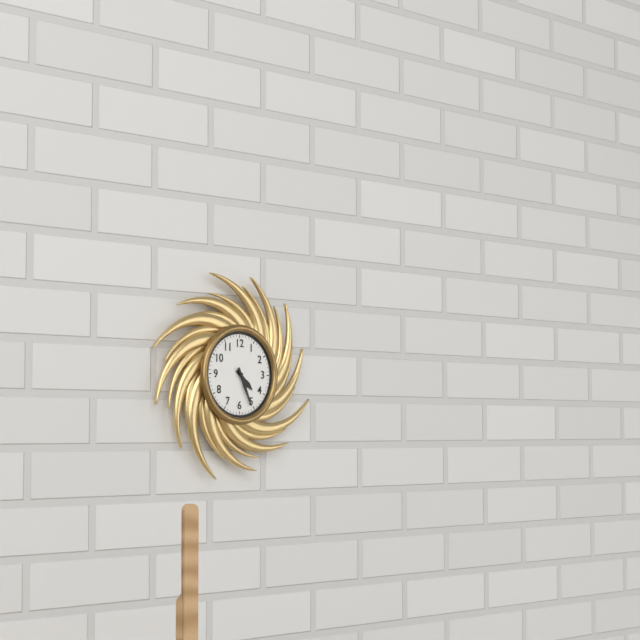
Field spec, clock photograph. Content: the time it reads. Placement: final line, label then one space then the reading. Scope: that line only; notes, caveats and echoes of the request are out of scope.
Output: 4:26
